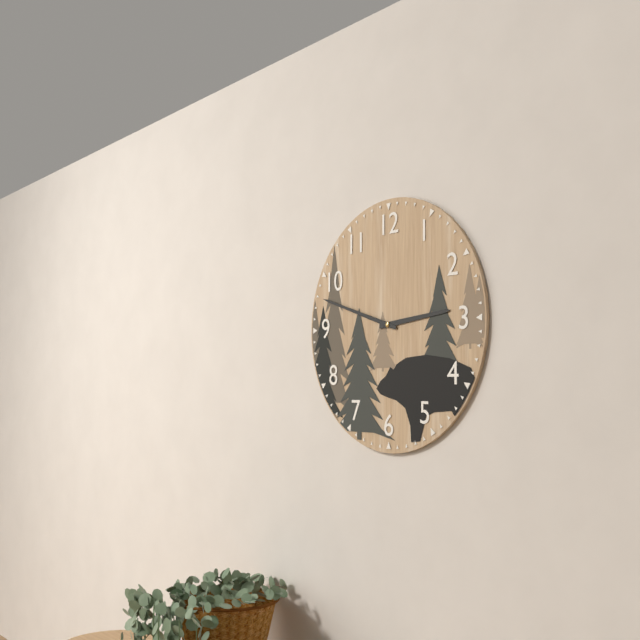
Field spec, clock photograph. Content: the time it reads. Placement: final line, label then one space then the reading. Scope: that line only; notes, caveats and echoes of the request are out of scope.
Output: 2:48
